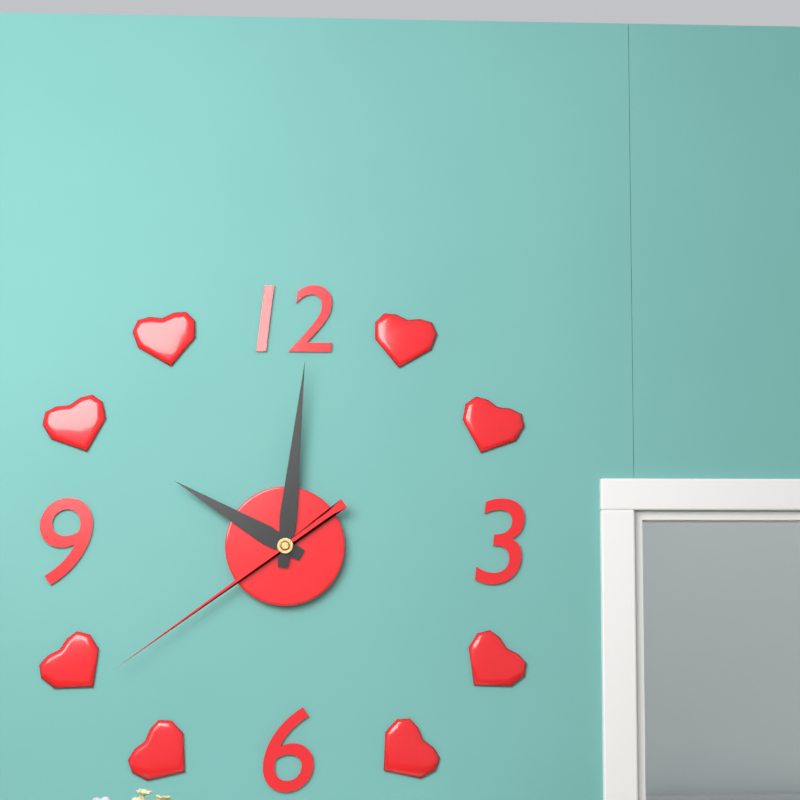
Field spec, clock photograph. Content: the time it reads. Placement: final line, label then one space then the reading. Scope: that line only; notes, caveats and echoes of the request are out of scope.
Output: 10:01:39
